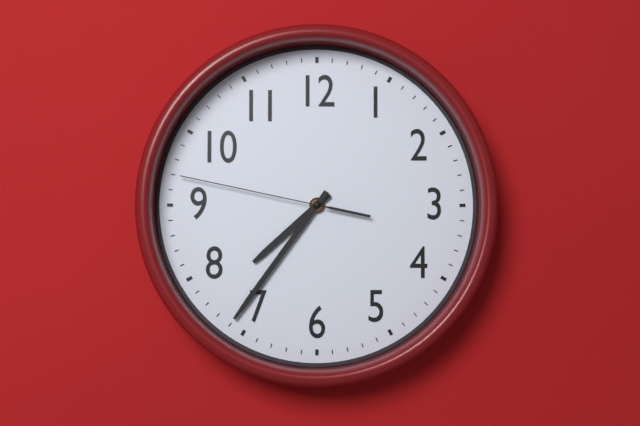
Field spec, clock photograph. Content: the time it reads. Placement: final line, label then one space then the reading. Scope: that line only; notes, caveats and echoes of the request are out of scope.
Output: 7:36:47
